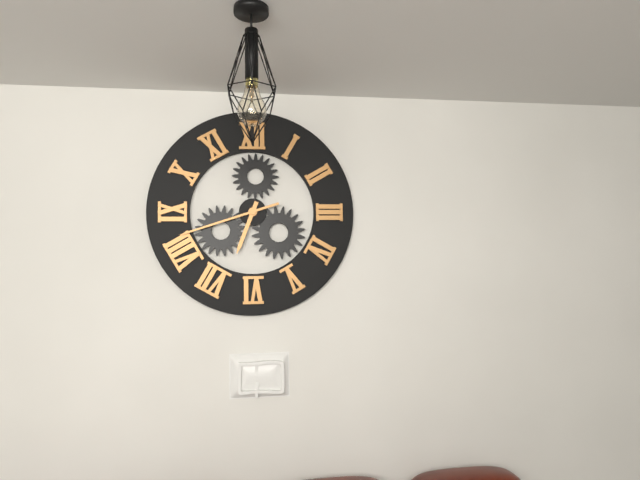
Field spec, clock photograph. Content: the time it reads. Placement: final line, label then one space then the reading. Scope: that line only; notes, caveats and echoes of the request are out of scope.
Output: 6:42
